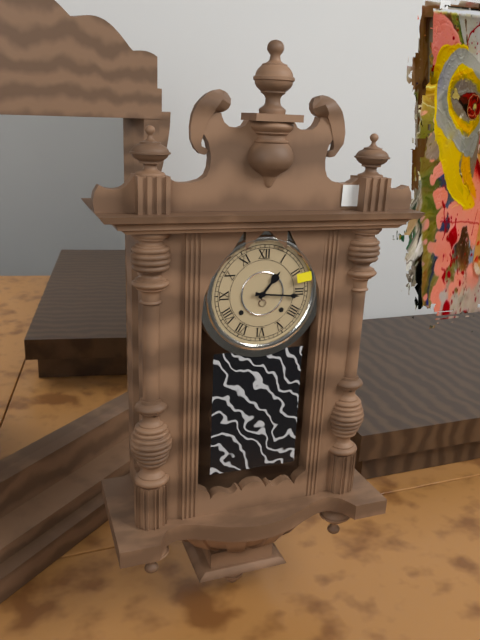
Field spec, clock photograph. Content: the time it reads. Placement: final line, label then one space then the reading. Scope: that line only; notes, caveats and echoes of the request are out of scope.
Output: 1:16
